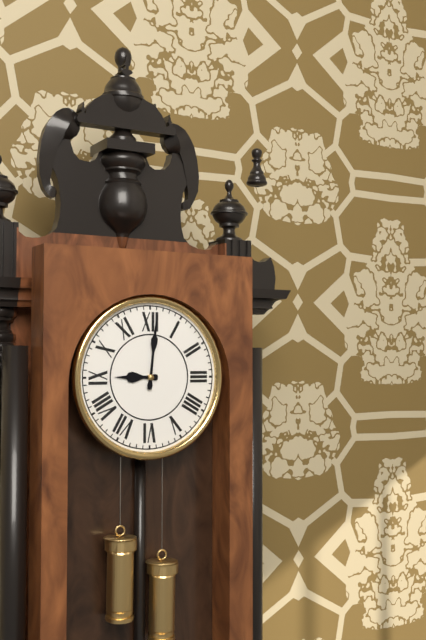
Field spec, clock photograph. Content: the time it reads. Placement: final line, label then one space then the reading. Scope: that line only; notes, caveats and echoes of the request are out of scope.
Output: 9:01
